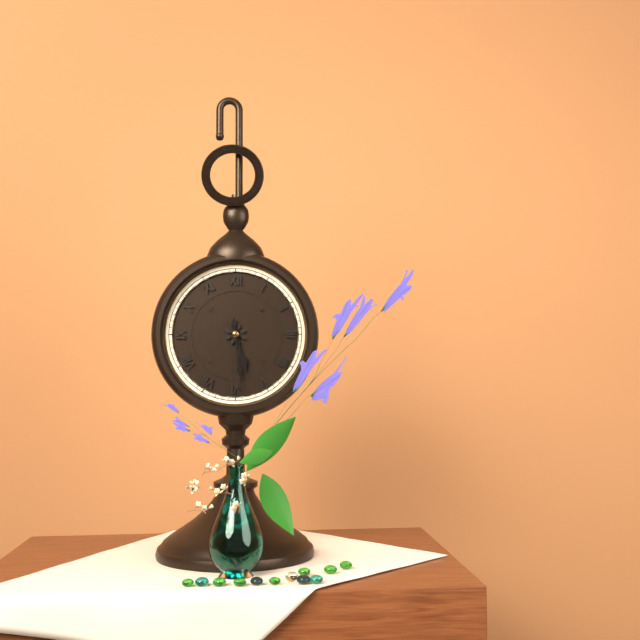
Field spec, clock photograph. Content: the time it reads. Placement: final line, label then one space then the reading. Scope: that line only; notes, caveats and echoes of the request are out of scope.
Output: 5:29
